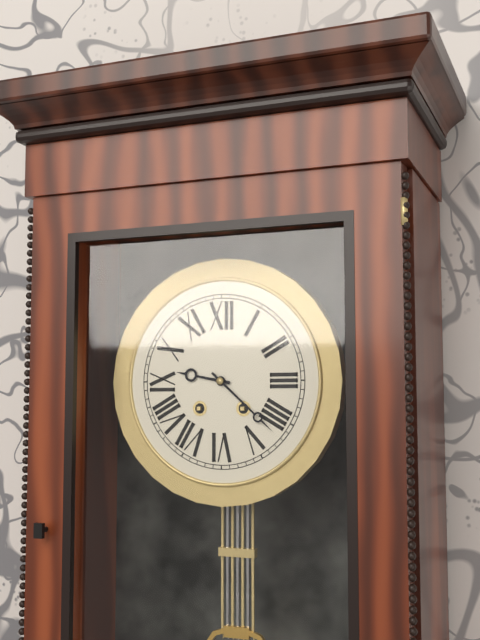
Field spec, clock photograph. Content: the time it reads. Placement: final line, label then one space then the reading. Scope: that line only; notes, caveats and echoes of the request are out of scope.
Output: 9:22
